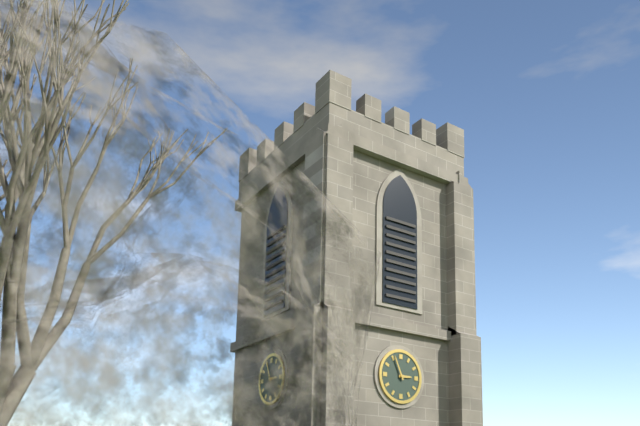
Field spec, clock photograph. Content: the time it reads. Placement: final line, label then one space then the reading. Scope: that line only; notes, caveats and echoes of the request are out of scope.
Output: 2:56
